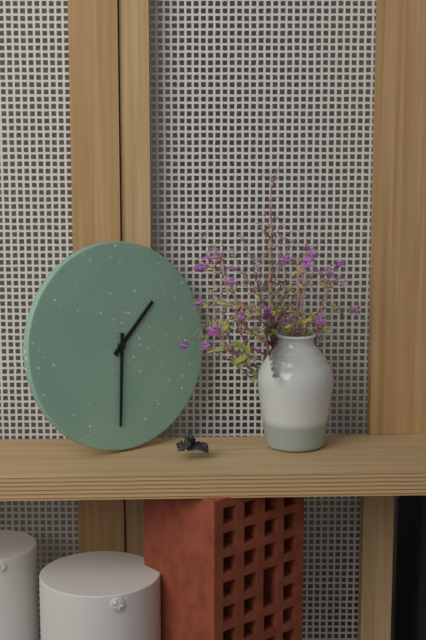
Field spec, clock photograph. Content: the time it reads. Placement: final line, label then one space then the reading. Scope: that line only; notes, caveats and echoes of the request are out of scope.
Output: 1:31
